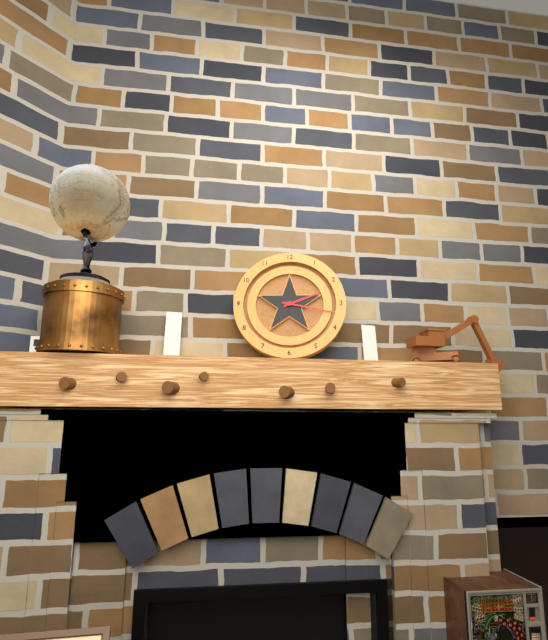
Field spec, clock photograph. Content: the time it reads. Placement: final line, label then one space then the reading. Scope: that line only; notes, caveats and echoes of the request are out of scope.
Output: 2:17
